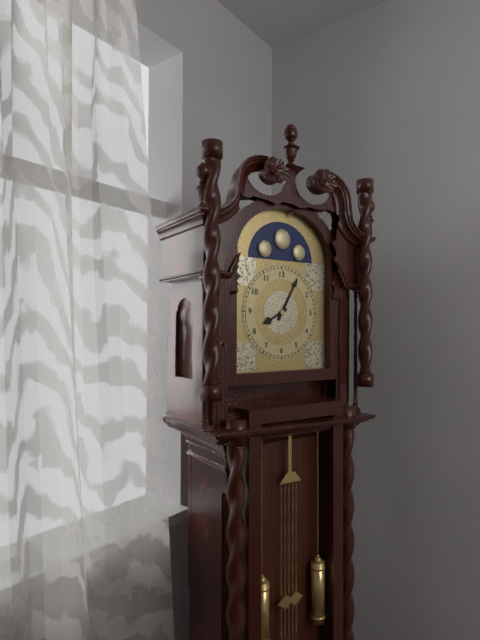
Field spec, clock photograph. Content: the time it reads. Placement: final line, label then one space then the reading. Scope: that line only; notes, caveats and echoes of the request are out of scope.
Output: 8:05
